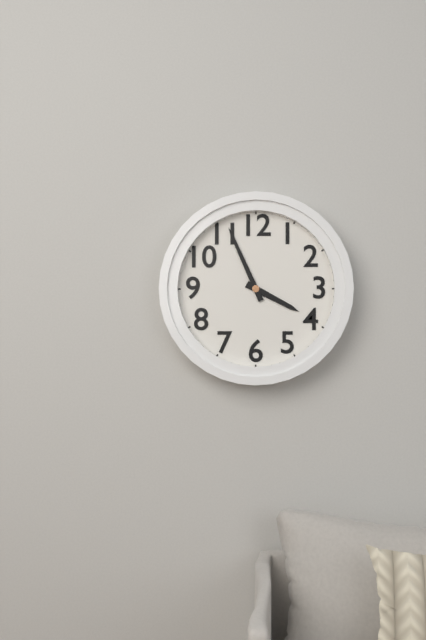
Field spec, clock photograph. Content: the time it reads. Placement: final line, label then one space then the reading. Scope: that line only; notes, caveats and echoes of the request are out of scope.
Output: 3:56
